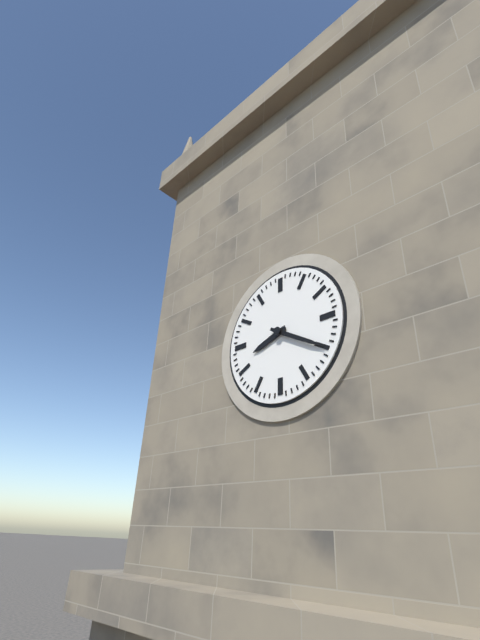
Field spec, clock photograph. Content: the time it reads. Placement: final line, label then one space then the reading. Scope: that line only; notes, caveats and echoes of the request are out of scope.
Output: 8:20
